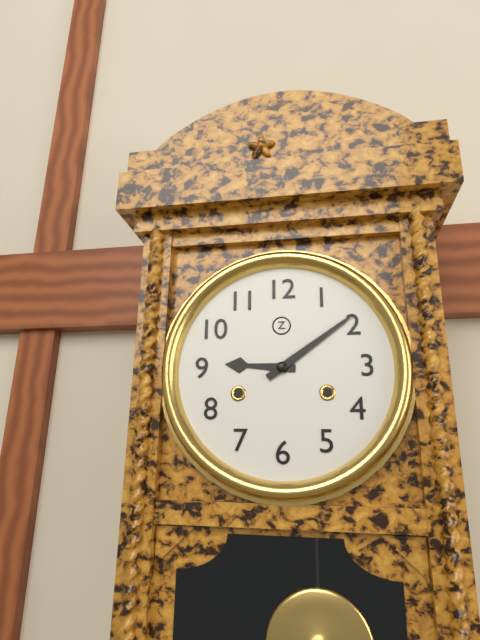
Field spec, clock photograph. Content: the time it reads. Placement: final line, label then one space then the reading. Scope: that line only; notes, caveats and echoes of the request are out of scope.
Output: 9:09
